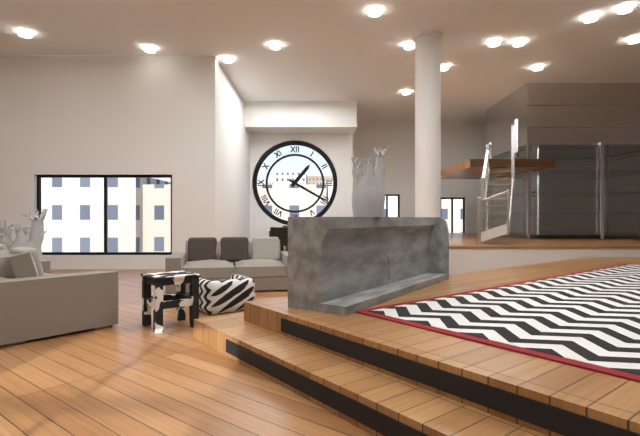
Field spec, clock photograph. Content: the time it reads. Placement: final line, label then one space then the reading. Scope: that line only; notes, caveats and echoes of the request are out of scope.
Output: 1:20
